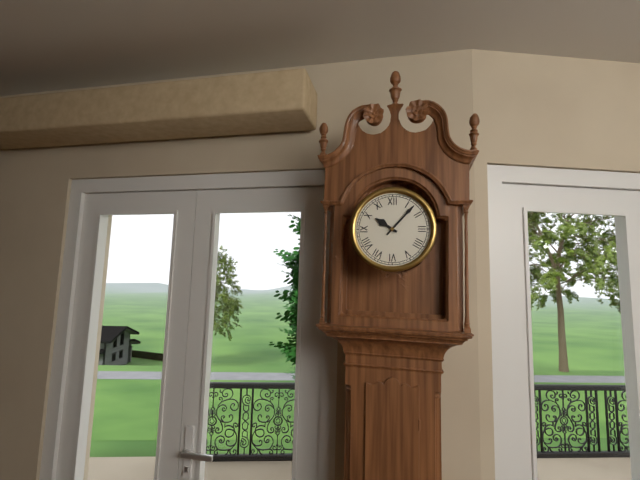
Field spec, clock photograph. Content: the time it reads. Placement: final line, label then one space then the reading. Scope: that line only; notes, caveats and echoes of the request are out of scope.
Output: 10:07
